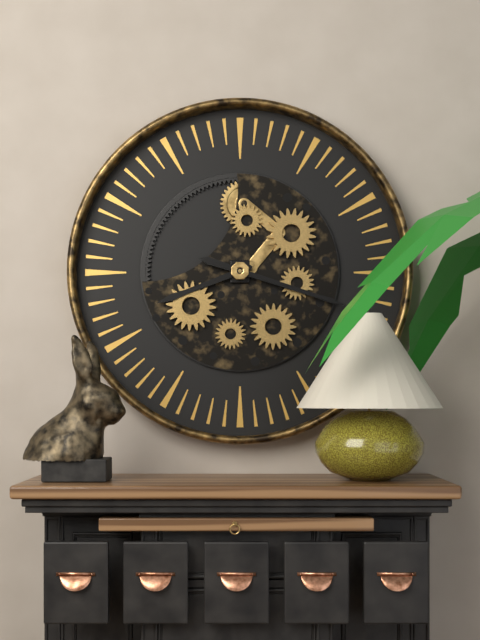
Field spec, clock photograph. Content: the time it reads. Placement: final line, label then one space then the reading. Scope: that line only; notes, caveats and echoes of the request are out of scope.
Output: 8:18
